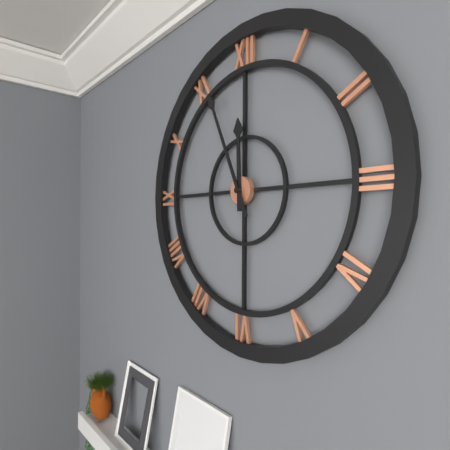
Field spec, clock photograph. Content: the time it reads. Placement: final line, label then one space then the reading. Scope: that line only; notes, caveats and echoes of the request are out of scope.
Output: 11:56
